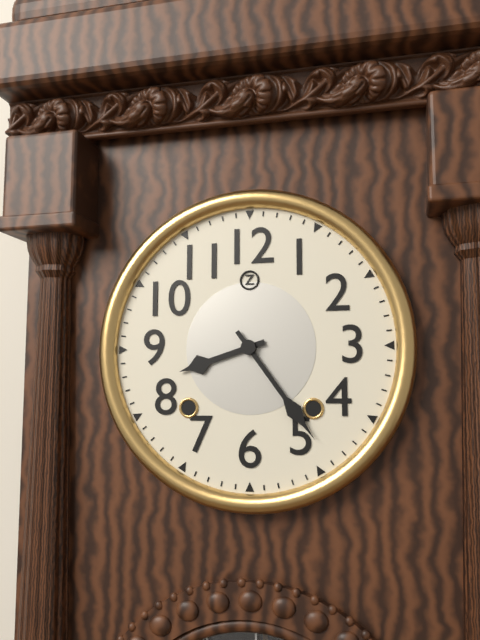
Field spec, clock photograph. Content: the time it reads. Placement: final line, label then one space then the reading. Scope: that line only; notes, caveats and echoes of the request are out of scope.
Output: 8:24
